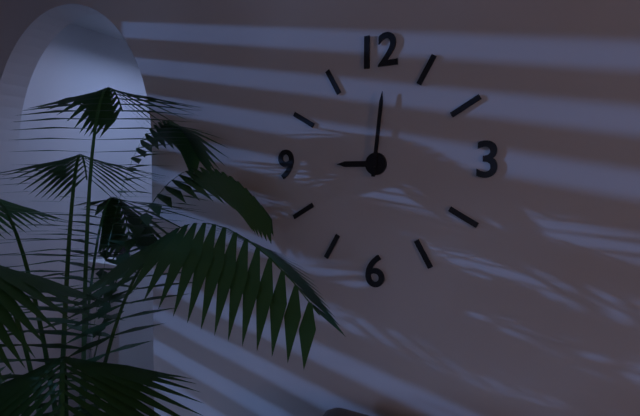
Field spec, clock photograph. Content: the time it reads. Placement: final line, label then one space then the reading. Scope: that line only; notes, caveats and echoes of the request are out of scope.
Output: 9:01
